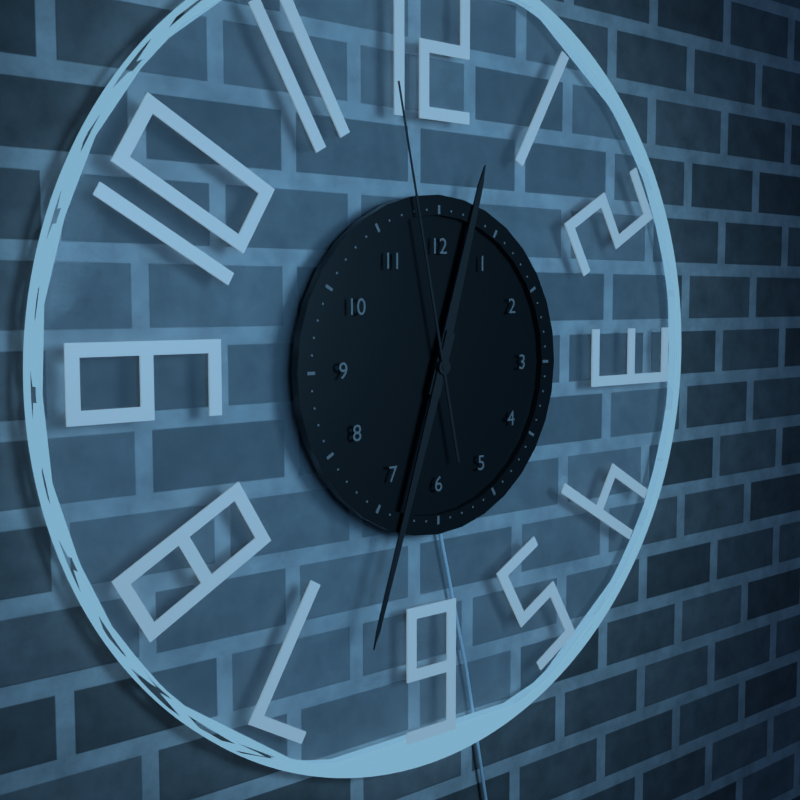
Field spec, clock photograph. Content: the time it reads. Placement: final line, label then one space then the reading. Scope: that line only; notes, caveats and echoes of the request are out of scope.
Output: 12:33:58
